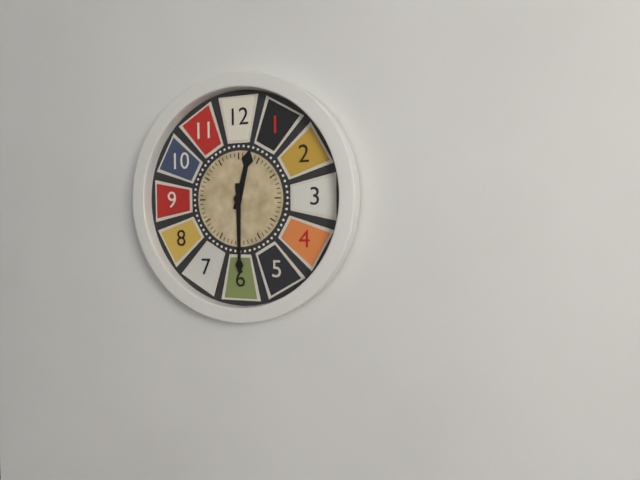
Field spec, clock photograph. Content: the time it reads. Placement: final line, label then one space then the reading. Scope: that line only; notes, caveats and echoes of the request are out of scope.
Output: 12:30
